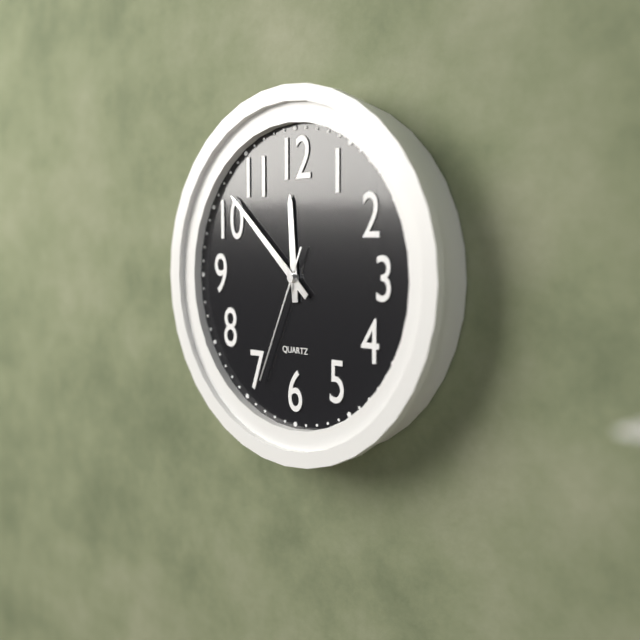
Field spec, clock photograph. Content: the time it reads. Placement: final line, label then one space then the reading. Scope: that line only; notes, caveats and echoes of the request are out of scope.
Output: 11:52:34
